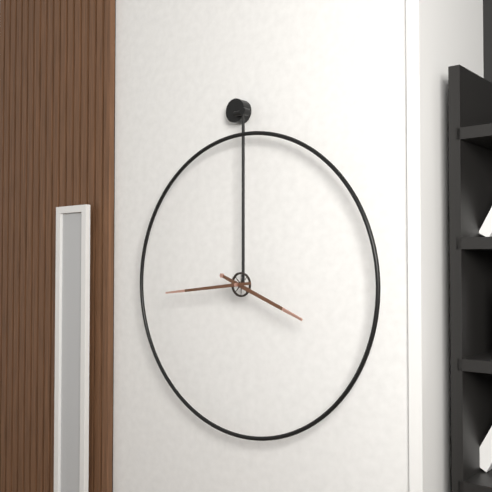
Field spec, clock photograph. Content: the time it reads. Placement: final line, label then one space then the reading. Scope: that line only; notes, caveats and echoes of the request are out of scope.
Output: 3:44
